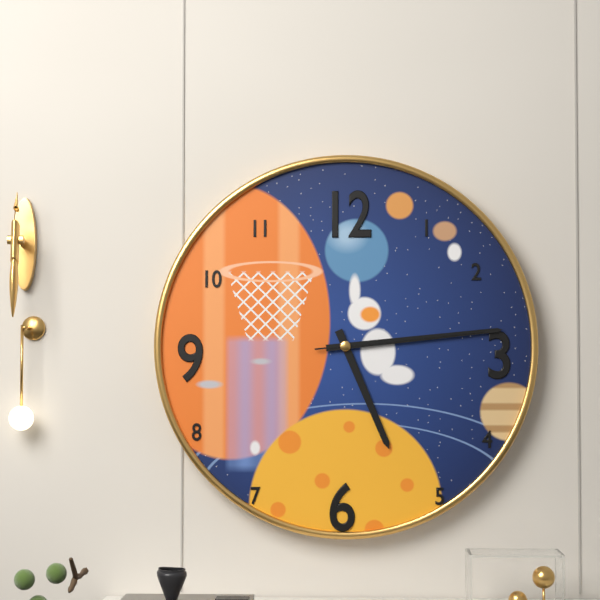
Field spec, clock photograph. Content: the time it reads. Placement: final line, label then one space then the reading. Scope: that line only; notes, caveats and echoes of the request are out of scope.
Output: 5:14:14
